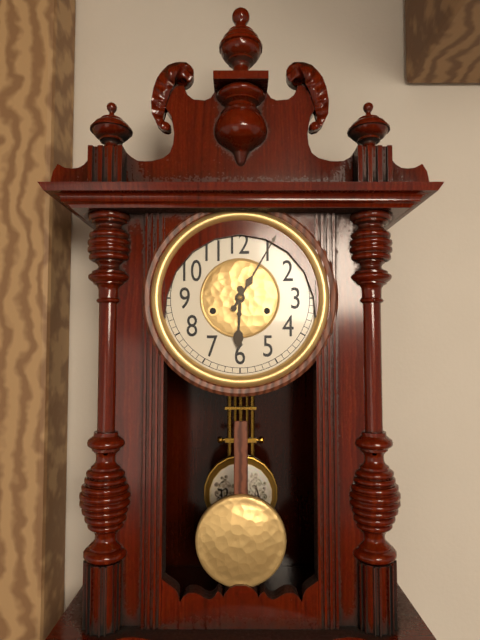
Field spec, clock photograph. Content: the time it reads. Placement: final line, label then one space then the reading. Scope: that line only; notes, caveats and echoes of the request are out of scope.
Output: 6:05
